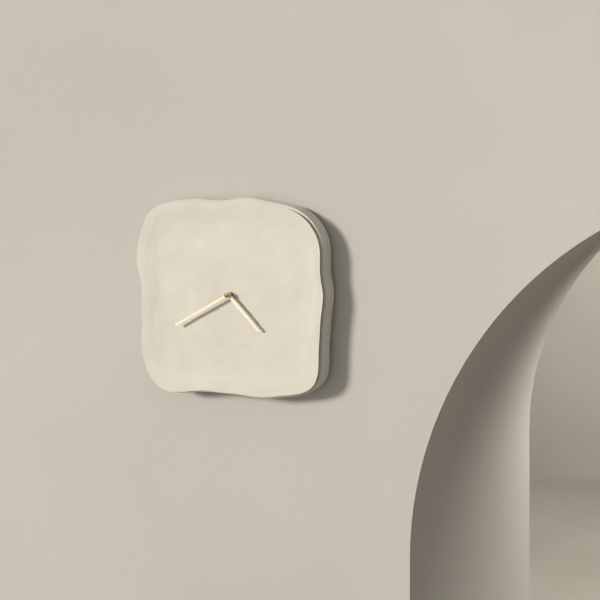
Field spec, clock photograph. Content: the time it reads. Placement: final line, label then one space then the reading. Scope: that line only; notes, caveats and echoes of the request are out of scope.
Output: 4:40
